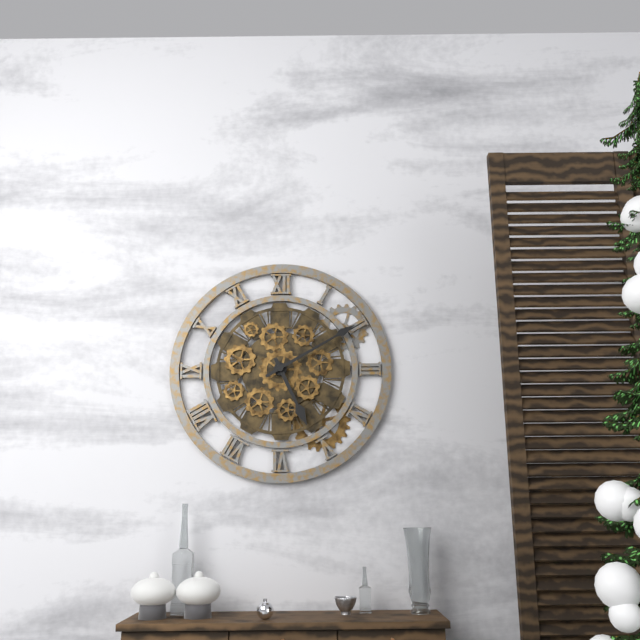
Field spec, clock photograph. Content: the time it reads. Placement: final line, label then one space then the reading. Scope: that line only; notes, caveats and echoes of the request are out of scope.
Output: 5:10
